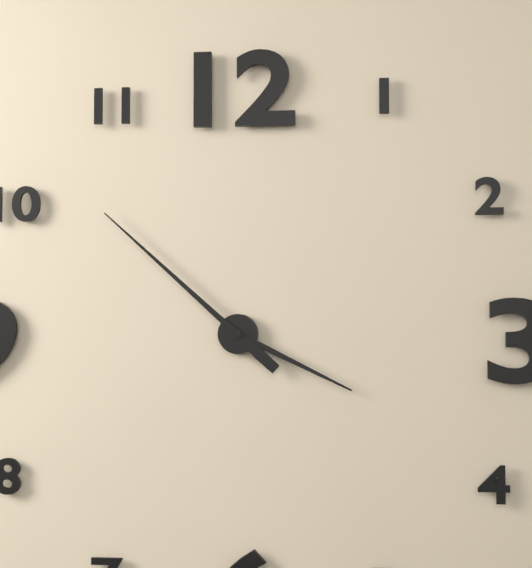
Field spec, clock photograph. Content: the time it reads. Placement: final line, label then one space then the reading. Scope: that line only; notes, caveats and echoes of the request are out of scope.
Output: 3:52
